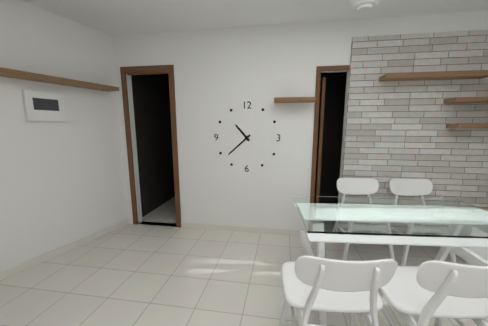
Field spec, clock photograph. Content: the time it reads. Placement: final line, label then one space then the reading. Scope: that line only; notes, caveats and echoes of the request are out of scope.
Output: 10:38
